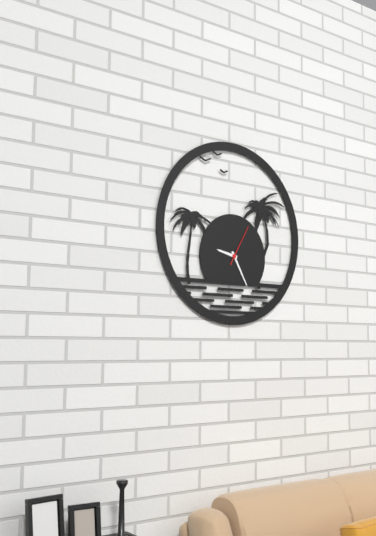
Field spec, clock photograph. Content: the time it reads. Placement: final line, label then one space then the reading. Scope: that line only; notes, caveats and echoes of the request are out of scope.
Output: 9:25
